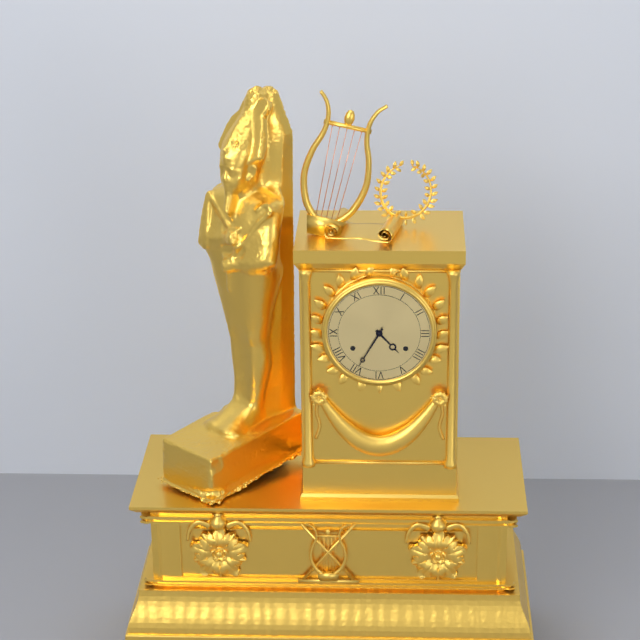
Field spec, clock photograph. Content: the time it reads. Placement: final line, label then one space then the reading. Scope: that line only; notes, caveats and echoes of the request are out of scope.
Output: 4:35
